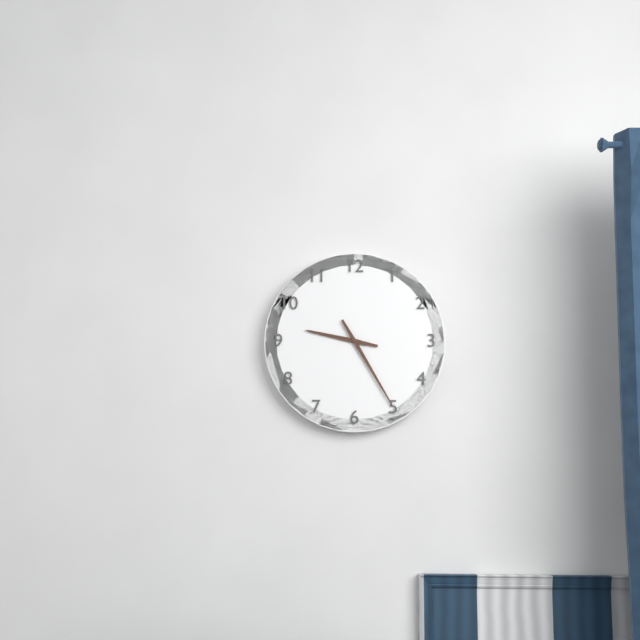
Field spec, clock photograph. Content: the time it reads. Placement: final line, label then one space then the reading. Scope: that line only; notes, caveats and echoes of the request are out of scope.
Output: 9:25
